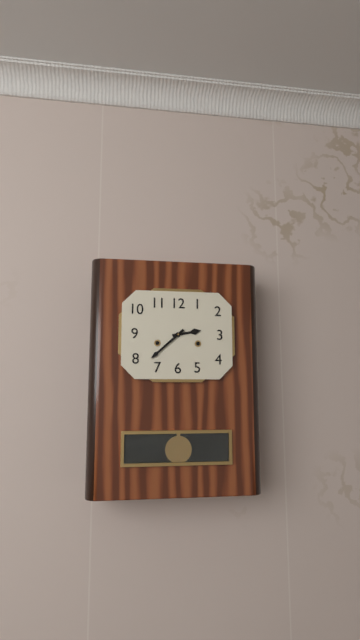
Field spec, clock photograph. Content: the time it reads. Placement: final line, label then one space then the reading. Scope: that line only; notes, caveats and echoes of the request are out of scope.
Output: 2:38
